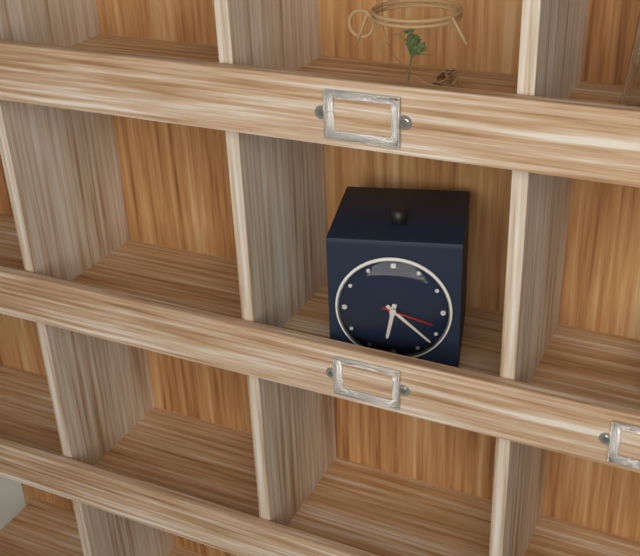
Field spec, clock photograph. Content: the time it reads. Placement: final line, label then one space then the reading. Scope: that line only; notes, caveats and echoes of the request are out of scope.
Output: 6:22:18
